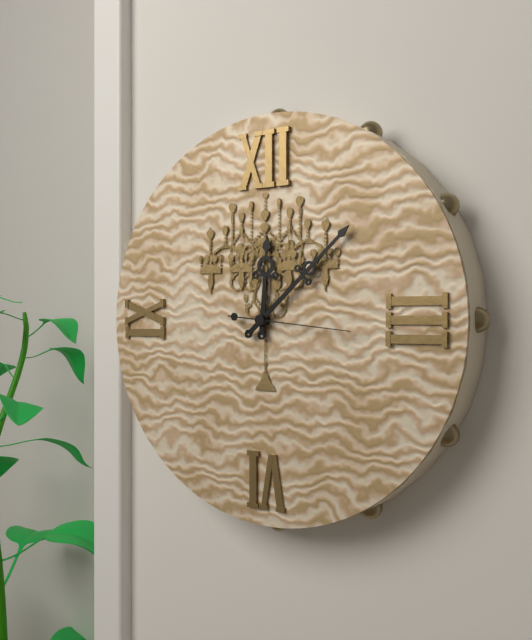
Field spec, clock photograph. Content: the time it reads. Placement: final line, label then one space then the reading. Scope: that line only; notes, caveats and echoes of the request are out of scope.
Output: 12:08:16
